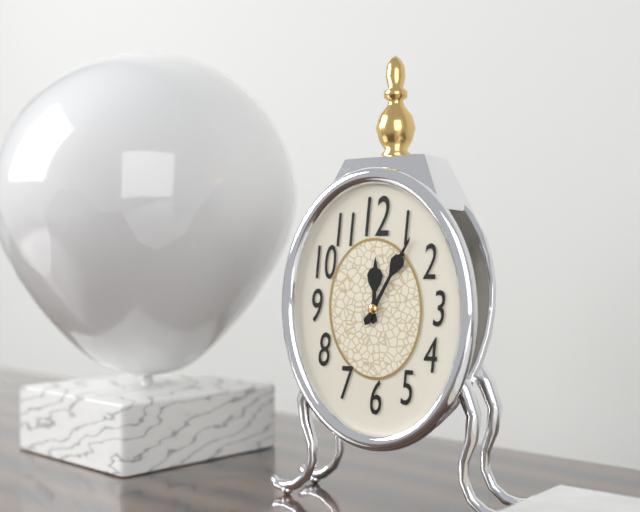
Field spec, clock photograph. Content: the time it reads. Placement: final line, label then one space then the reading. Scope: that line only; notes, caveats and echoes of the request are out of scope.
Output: 12:05
